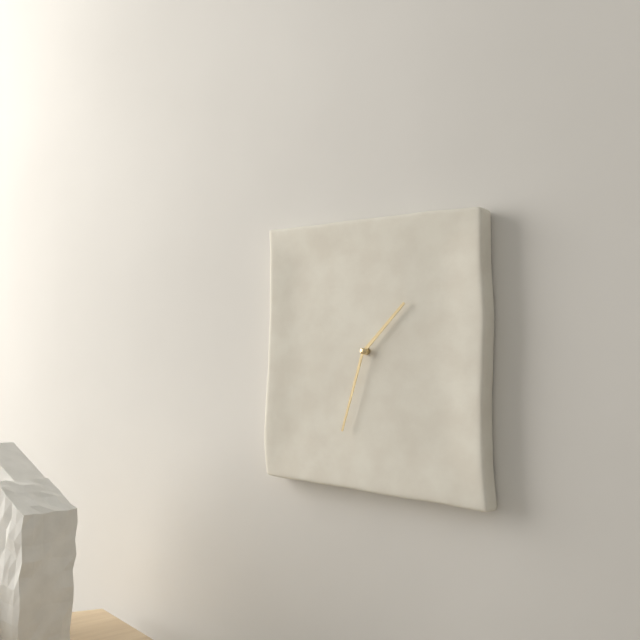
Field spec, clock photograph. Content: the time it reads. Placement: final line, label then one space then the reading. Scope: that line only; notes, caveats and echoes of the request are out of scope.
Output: 1:33
